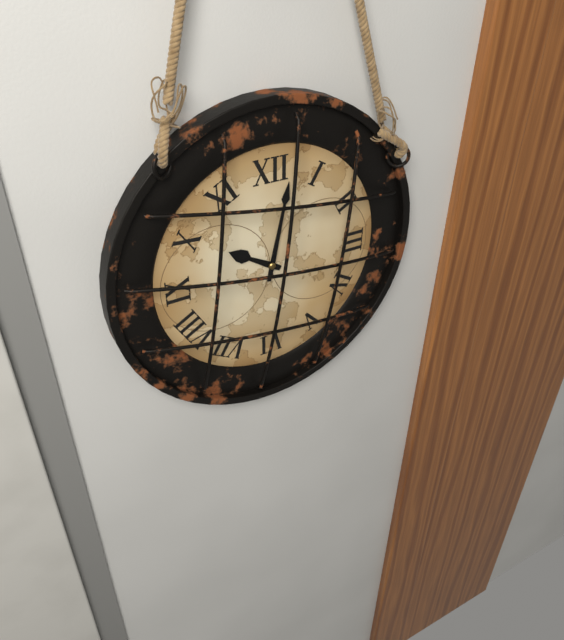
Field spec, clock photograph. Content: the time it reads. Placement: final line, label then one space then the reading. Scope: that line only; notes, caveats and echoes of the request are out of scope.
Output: 10:02
